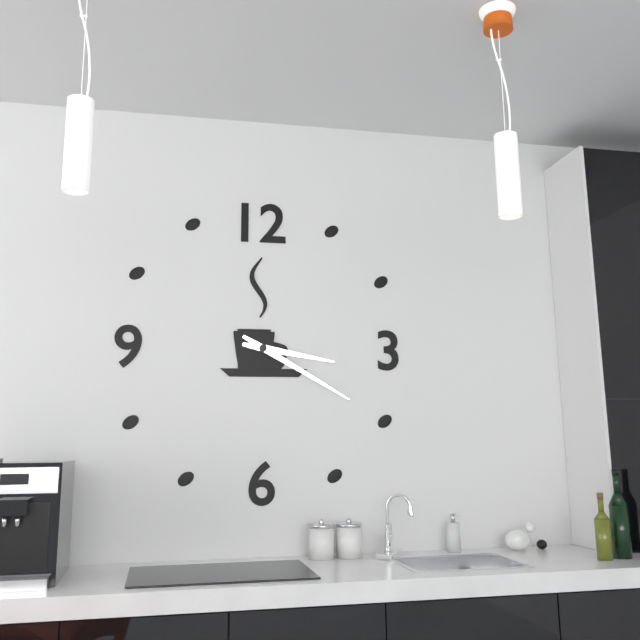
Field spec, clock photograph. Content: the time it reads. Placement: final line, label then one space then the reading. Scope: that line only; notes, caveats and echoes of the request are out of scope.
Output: 3:20
